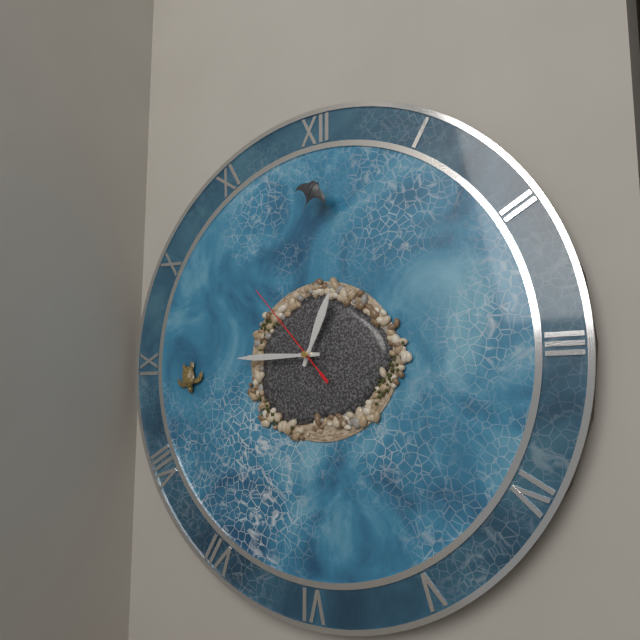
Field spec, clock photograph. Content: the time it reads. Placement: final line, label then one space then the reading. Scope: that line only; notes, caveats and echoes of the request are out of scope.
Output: 12:45:53
